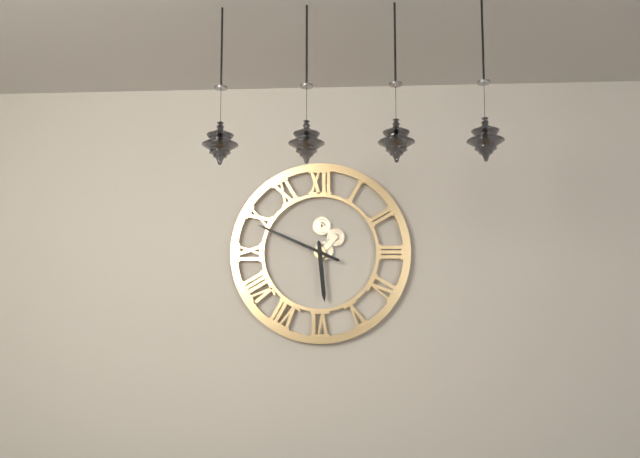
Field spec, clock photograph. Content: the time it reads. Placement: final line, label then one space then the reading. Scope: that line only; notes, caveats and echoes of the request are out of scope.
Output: 5:49
